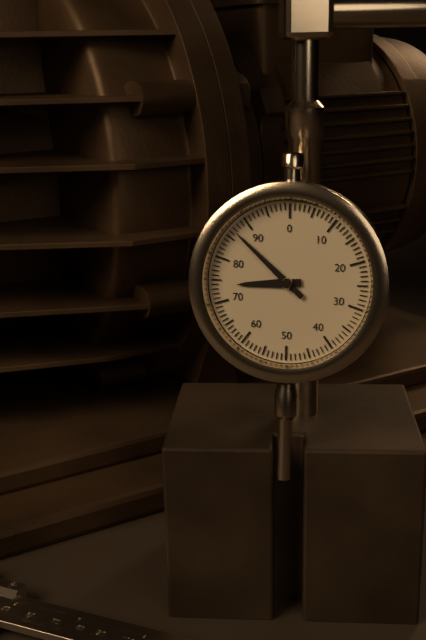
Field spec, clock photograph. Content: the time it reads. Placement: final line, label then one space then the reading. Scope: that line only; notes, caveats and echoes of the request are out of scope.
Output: 8:52
